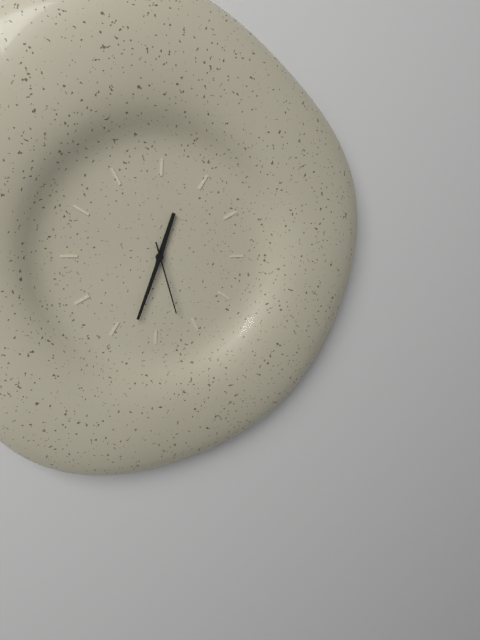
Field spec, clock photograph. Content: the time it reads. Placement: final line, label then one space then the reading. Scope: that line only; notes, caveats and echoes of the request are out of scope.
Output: 12:33:27
